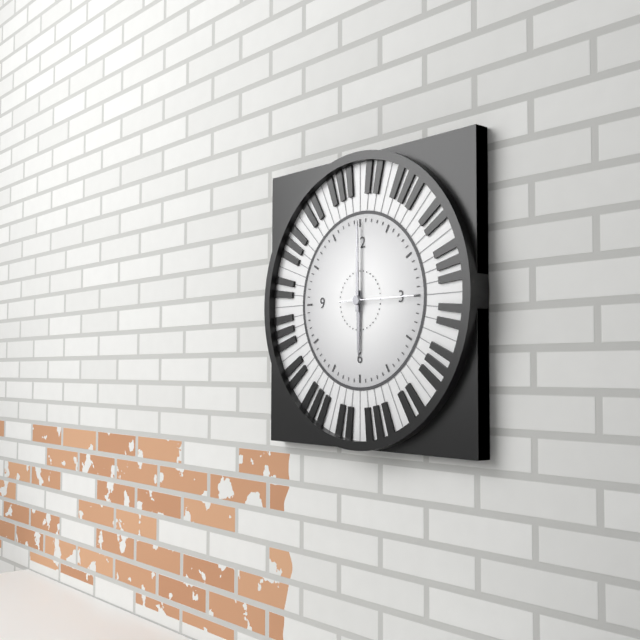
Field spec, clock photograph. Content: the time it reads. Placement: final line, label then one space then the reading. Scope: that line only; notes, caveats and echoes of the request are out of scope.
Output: 6:00:15
